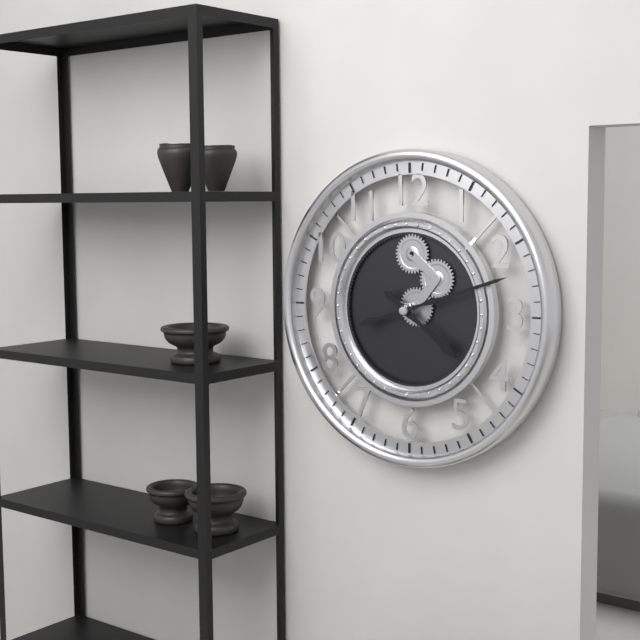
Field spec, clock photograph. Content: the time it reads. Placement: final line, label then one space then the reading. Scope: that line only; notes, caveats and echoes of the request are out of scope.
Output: 4:12
